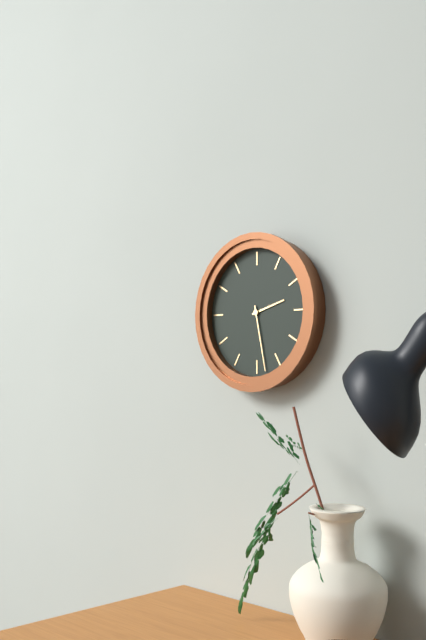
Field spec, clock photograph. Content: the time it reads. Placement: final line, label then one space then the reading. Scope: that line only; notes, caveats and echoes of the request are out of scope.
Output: 2:28
